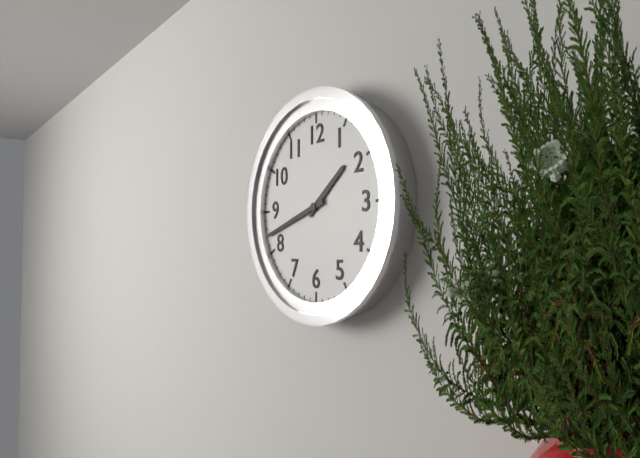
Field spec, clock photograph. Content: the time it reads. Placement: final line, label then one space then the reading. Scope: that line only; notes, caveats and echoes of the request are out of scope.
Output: 1:42
